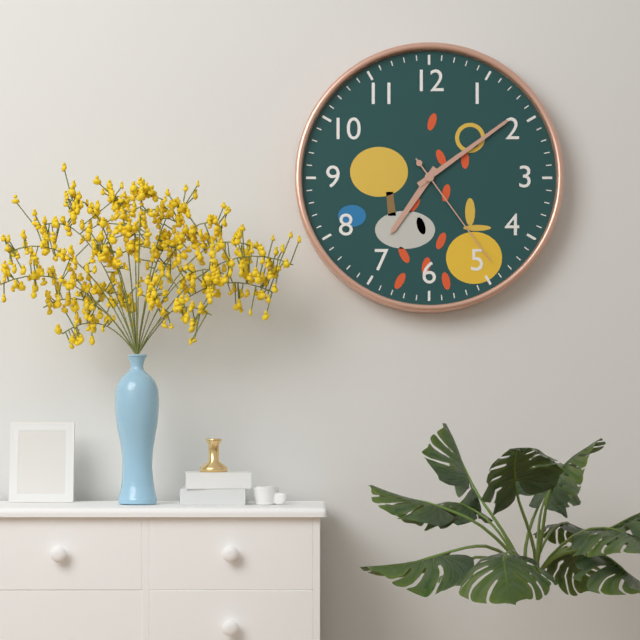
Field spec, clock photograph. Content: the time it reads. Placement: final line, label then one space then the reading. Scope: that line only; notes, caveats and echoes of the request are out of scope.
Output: 7:09:24
